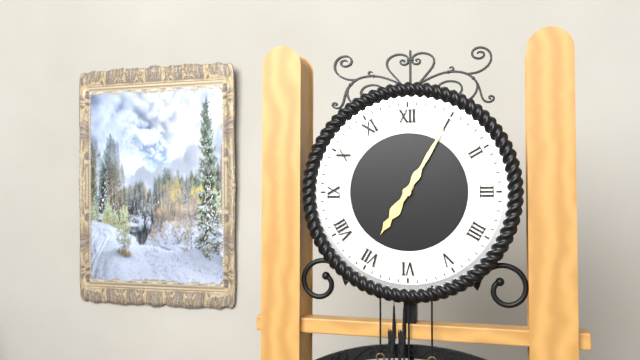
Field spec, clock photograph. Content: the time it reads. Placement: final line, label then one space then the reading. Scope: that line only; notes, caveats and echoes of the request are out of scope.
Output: 7:05
